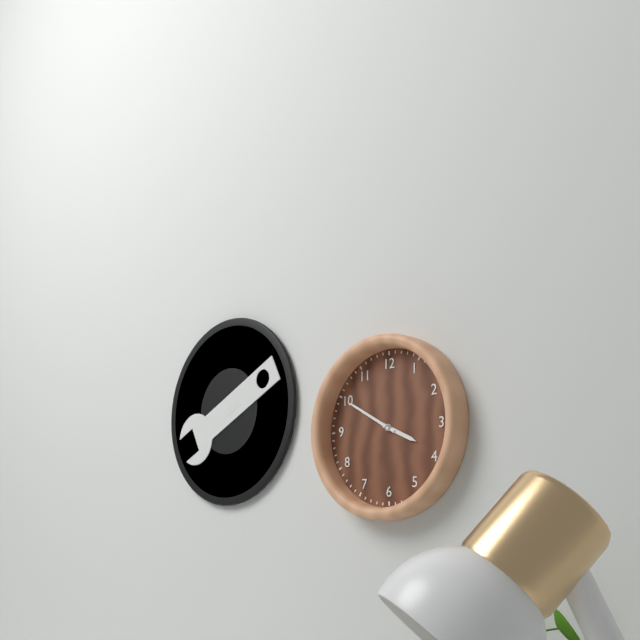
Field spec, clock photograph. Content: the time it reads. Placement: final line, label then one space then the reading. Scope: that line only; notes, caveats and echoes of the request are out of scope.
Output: 3:50
